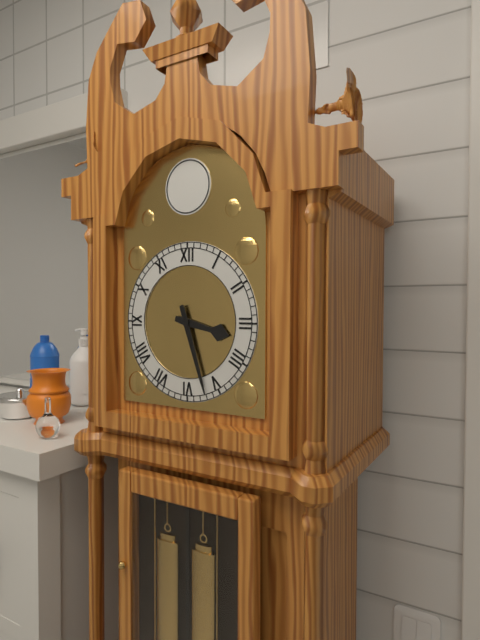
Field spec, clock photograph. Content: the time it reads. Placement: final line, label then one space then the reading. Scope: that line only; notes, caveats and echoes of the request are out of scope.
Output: 3:27
